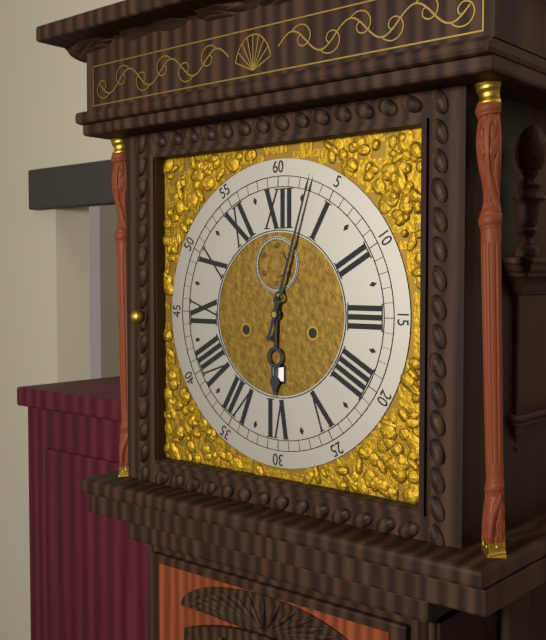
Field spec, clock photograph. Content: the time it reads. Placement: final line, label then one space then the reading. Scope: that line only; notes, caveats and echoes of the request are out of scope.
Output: 6:03
